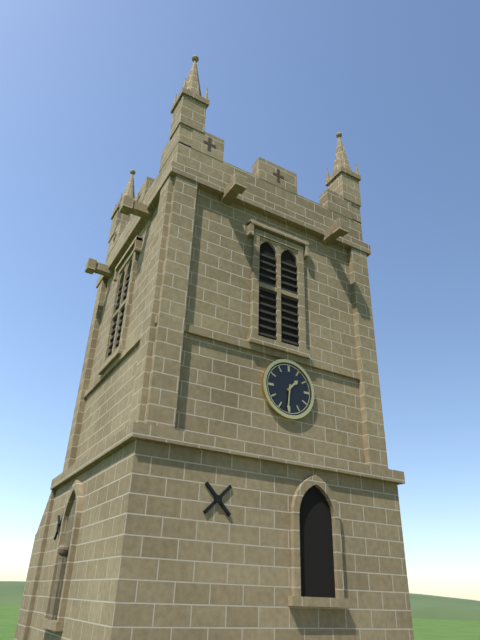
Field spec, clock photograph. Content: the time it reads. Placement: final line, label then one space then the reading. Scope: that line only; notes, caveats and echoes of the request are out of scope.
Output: 1:31
